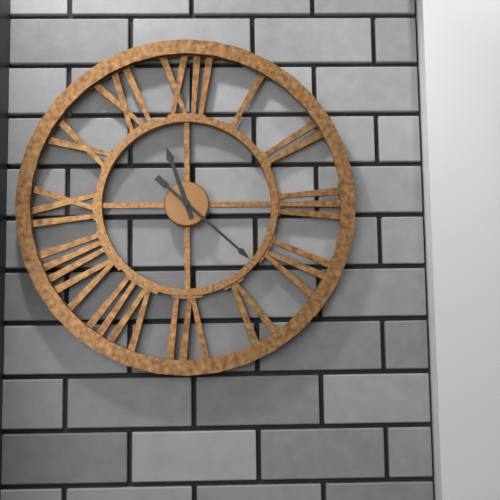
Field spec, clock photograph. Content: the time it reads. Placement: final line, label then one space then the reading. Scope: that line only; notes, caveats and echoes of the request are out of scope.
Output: 11:22
